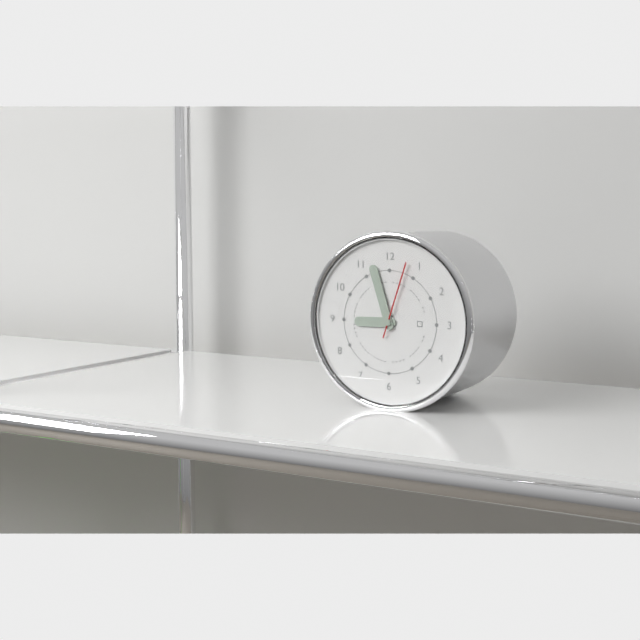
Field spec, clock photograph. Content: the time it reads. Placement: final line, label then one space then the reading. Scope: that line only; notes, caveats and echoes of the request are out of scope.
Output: 8:57:03
